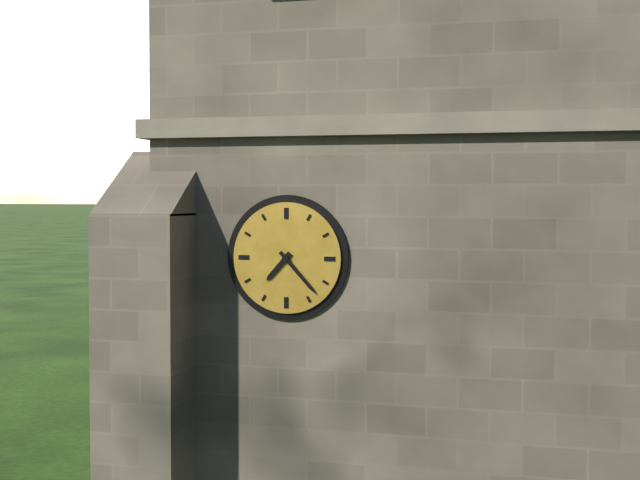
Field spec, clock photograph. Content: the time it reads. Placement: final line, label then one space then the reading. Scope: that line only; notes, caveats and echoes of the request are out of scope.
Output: 7:23
